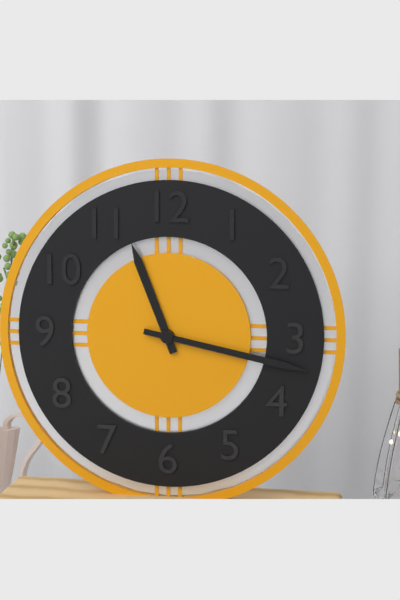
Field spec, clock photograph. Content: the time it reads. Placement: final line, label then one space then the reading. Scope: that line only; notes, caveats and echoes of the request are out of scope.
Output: 11:17
